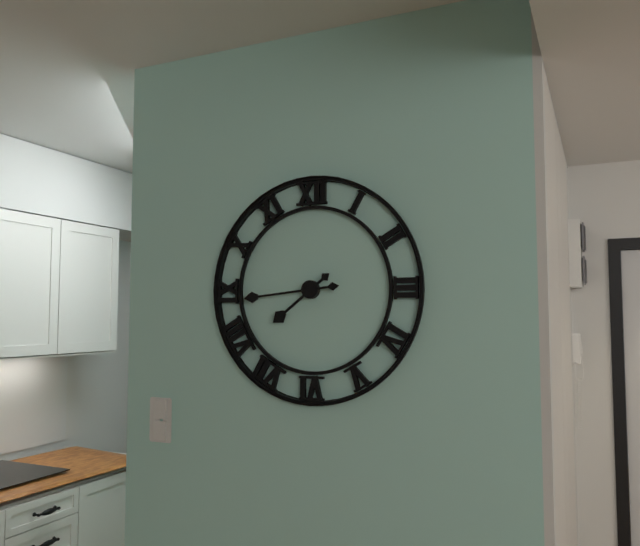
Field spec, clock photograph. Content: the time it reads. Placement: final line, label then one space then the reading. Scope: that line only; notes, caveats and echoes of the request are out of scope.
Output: 7:44
